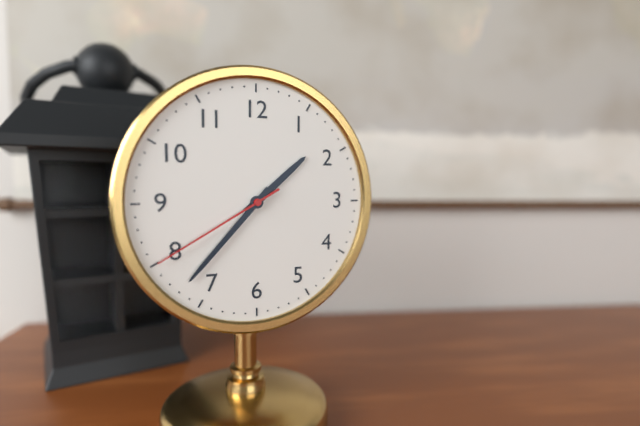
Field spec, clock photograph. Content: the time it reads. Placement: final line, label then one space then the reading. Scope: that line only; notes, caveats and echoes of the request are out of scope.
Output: 1:37:40
